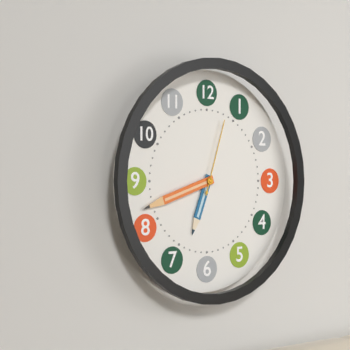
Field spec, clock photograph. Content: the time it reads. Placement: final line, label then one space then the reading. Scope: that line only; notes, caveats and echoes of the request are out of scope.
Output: 6:42:03
